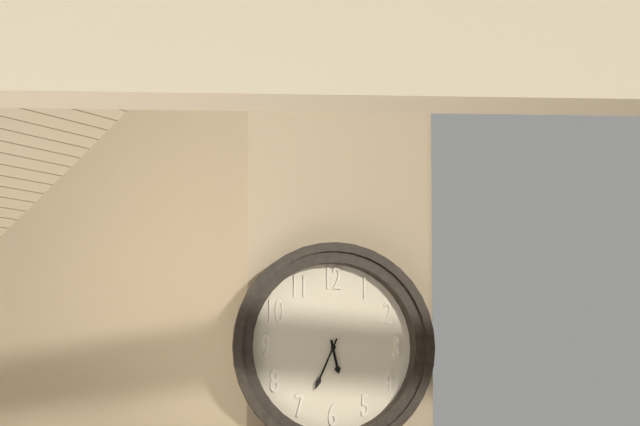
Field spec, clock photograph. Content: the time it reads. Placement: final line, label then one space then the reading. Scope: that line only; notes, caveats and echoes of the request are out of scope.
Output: 5:34
